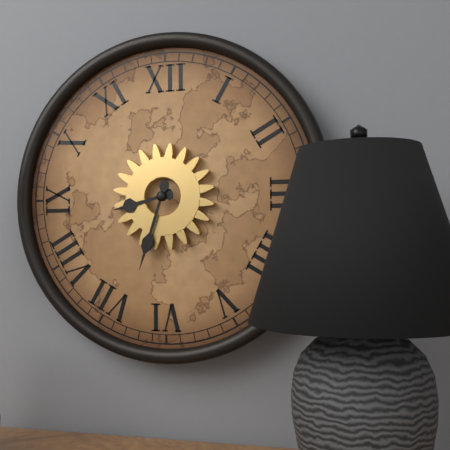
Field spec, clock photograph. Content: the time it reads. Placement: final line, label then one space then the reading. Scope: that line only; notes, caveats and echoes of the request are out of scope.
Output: 8:33
